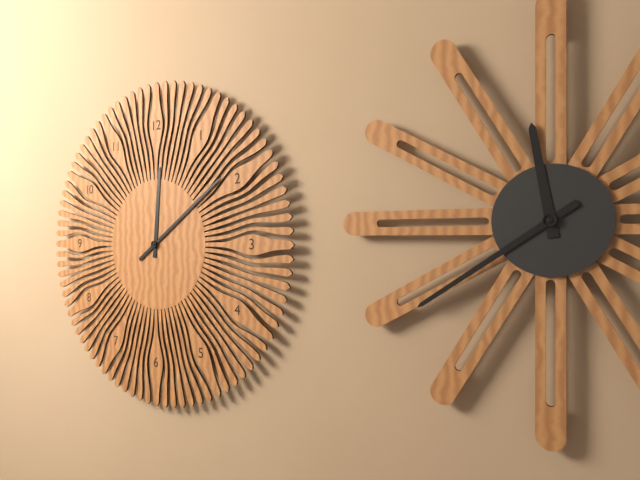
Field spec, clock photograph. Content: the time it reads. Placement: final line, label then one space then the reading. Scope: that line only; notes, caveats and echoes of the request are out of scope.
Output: 12:09
